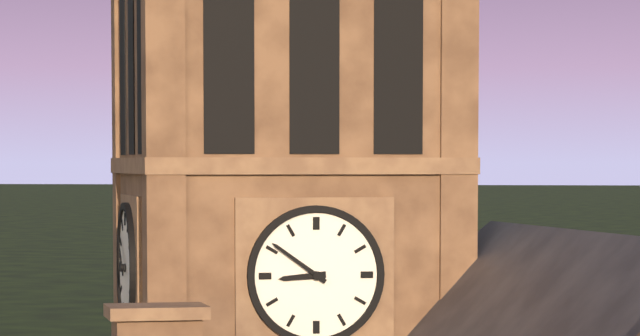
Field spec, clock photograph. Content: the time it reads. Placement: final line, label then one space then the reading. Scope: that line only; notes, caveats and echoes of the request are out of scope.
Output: 8:51
